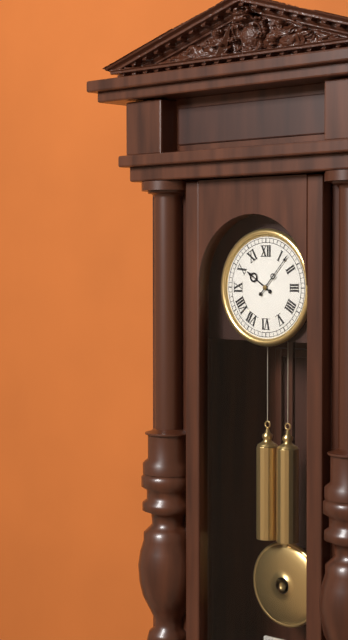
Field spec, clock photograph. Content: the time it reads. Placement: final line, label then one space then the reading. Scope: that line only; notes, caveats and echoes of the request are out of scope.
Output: 10:07
